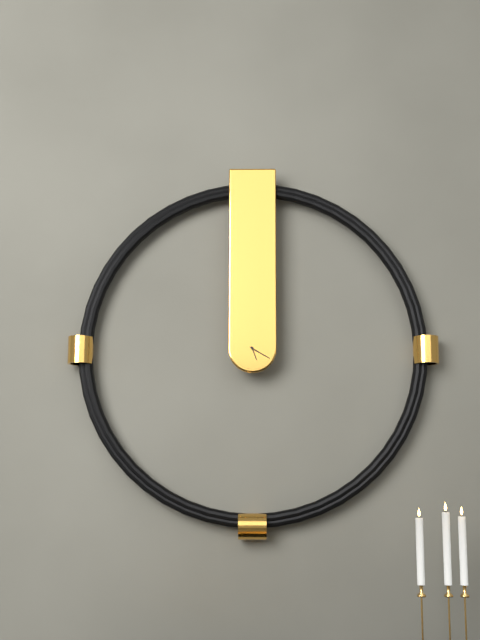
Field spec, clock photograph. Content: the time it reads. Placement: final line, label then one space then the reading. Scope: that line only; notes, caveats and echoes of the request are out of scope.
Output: 5:20
